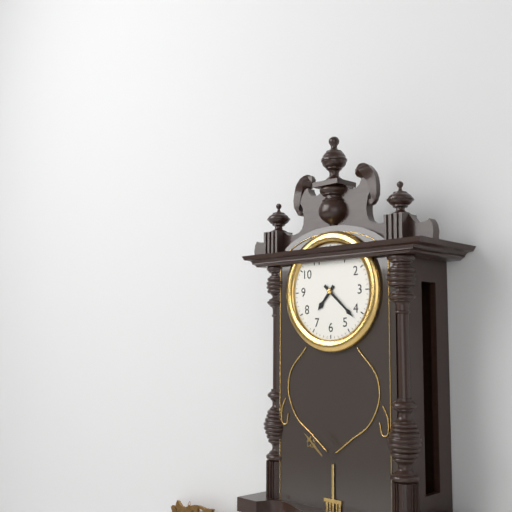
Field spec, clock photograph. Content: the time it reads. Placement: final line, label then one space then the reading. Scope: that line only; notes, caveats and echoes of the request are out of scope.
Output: 7:22
